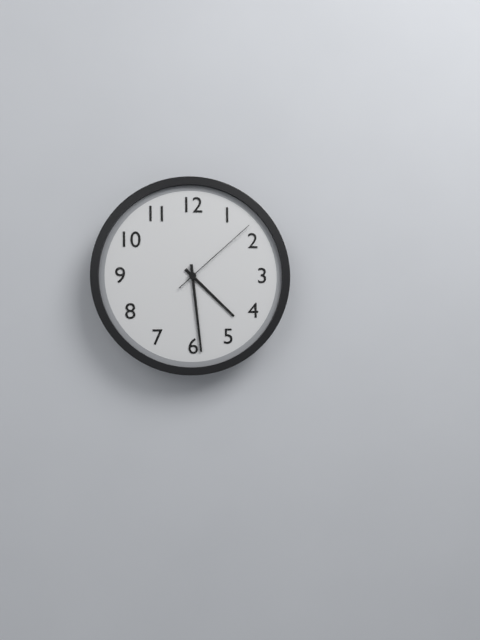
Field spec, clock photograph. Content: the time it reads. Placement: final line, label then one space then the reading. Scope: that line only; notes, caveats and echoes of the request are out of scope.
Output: 4:29:08
